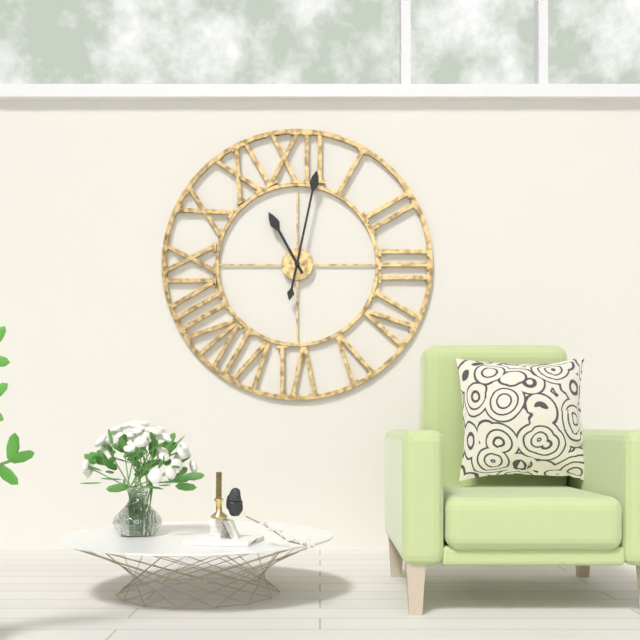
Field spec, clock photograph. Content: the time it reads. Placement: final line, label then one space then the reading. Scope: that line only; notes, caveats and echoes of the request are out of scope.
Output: 11:02
